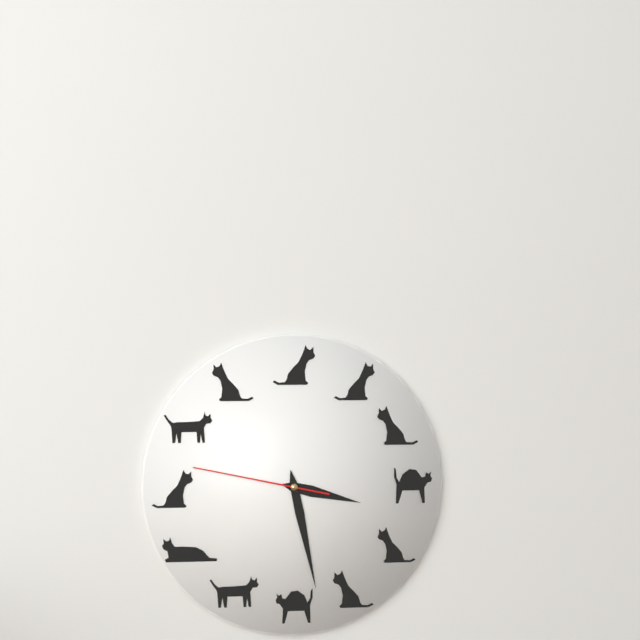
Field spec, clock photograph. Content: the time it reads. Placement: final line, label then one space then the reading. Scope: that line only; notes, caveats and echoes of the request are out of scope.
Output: 3:28:47
